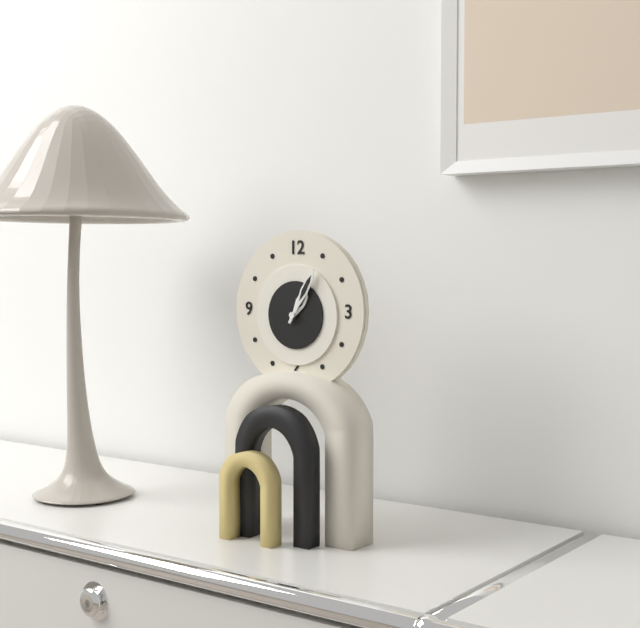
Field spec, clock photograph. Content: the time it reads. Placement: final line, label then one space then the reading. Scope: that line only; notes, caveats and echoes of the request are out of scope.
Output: 1:05
